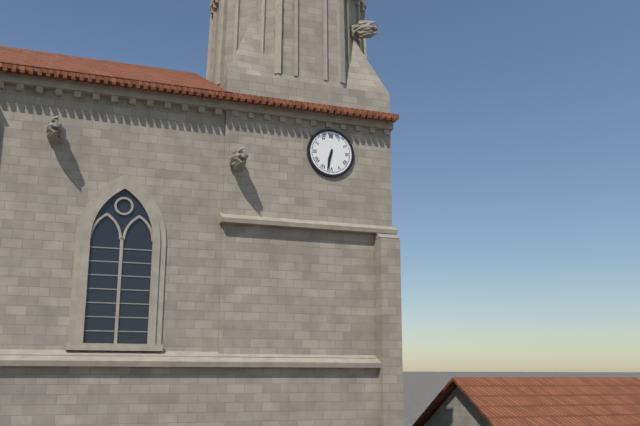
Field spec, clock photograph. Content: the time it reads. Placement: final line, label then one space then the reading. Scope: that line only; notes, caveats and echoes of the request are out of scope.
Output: 6:32
